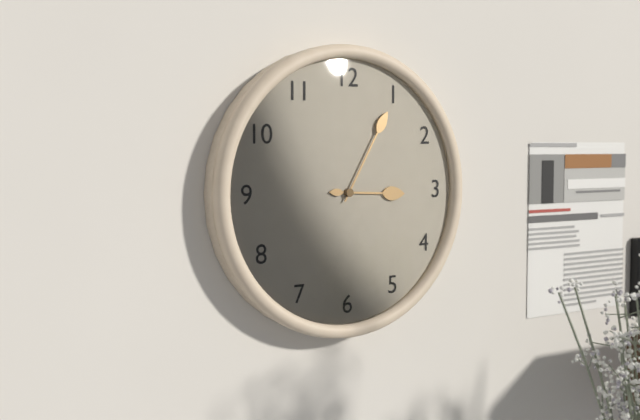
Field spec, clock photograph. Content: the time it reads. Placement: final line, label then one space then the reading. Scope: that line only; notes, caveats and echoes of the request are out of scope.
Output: 3:05
